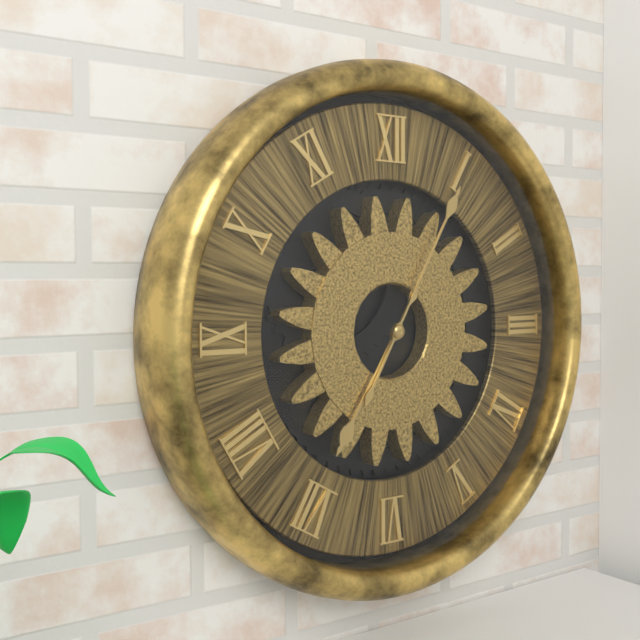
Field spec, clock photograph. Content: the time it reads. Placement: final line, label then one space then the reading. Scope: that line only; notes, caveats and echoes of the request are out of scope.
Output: 7:05
